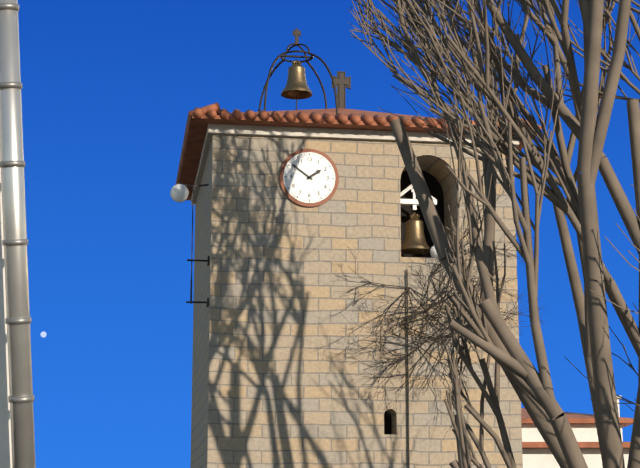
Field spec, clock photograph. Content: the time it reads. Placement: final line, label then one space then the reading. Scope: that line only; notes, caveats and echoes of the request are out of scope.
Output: 1:51
